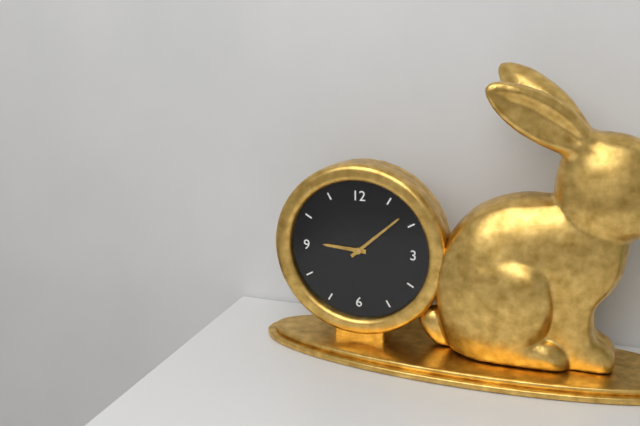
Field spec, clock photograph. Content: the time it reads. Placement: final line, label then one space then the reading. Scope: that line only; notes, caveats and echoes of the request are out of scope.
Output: 9:08
